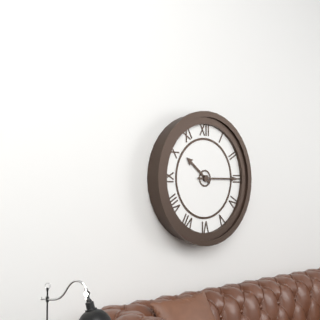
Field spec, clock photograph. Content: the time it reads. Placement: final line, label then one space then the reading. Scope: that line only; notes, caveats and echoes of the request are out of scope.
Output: 10:15
